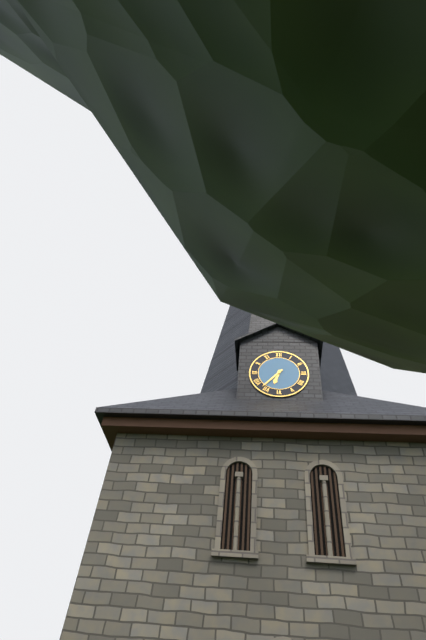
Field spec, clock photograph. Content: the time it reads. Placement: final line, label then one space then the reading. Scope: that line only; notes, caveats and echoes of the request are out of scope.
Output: 6:37
